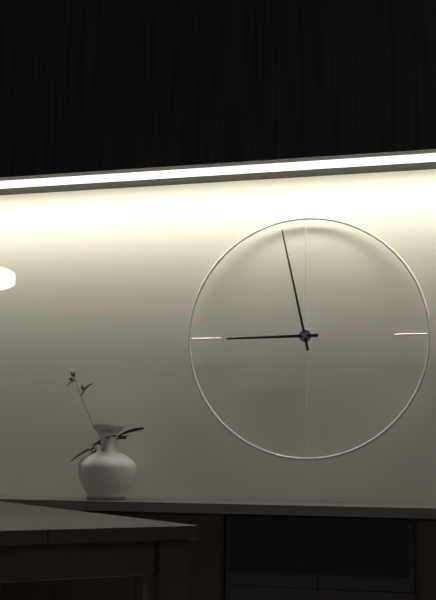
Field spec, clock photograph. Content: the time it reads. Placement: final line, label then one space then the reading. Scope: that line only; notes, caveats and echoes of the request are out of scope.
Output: 8:58
